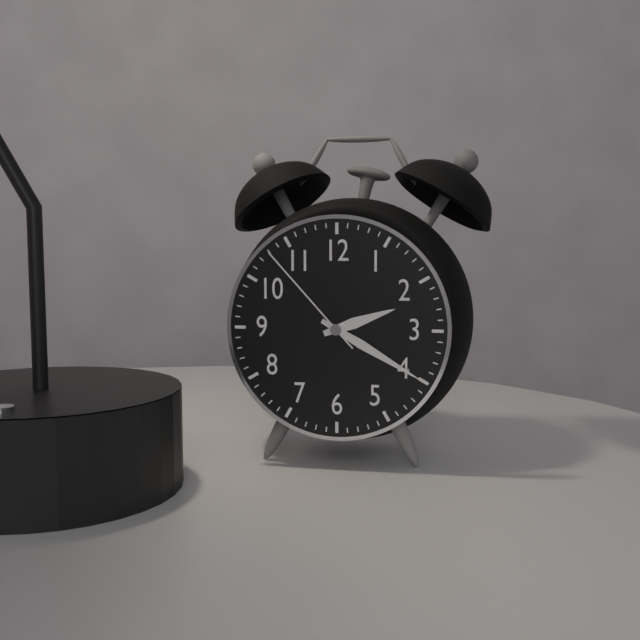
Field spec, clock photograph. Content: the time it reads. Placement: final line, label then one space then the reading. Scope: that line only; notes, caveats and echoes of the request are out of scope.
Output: 2:20:53
